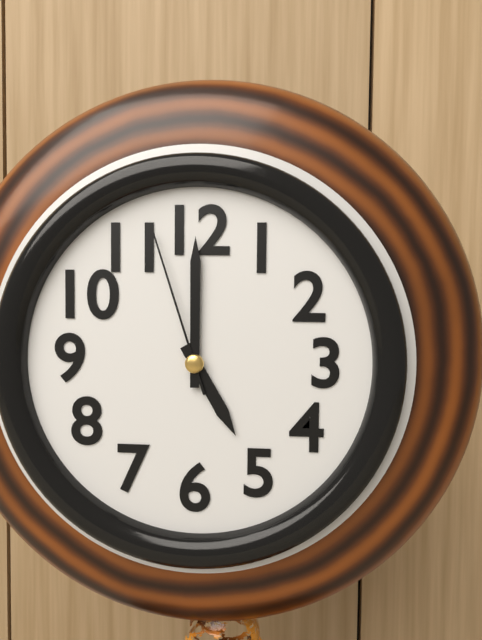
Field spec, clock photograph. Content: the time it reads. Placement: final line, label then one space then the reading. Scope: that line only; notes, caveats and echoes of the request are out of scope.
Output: 5:00:57
